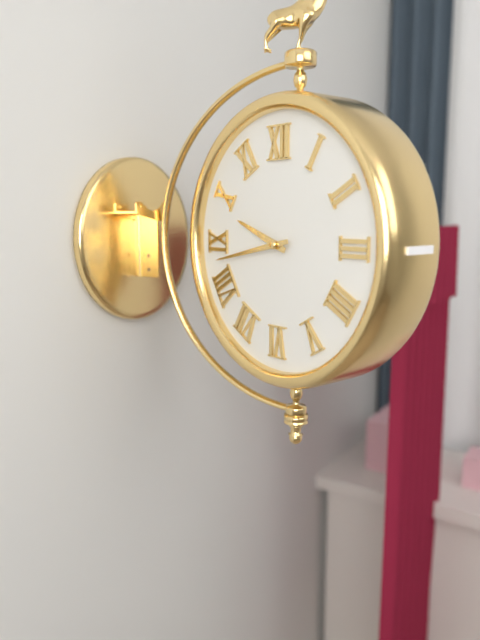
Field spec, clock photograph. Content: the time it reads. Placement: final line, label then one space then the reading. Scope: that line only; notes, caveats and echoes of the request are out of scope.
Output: 9:43
